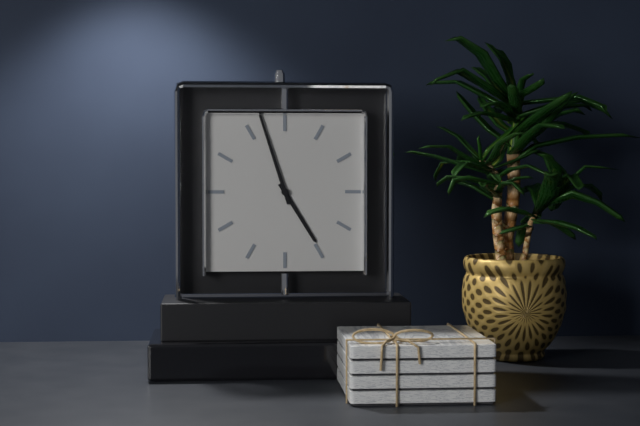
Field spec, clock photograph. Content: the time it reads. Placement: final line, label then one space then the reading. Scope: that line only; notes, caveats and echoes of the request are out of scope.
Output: 4:57
